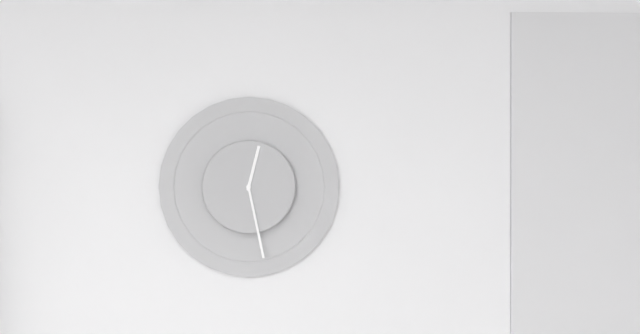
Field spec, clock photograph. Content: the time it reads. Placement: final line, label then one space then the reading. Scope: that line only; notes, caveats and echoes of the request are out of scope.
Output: 12:28
